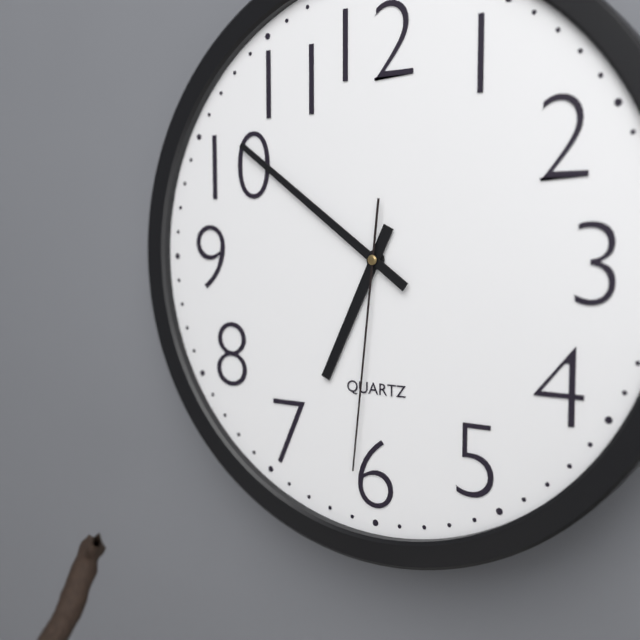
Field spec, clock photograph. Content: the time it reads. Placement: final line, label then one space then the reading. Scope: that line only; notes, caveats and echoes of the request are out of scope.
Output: 6:51:31
